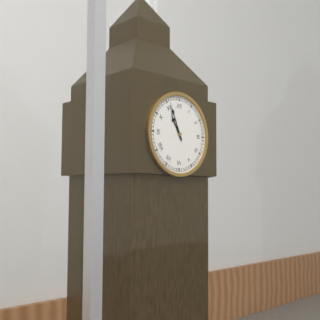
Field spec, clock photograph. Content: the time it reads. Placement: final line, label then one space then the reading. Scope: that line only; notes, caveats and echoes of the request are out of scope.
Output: 10:56
